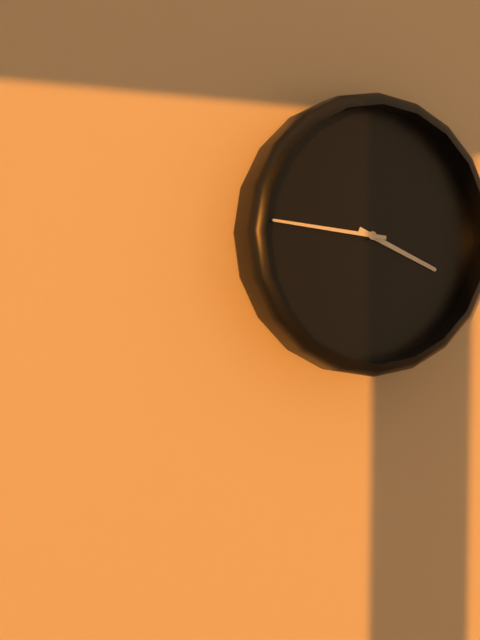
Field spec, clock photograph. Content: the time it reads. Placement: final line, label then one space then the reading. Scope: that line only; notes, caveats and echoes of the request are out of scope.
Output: 3:46
